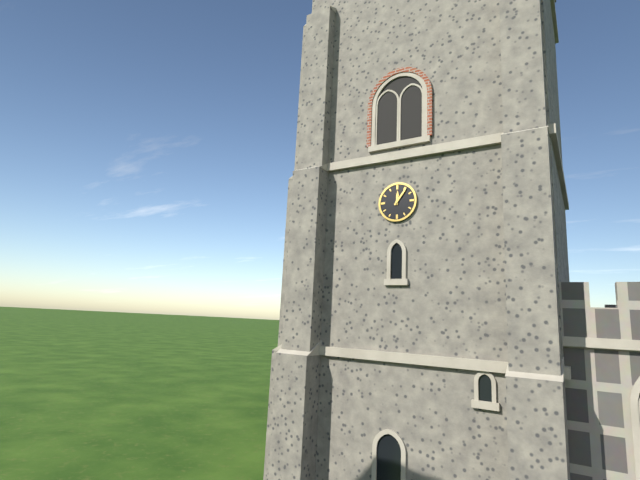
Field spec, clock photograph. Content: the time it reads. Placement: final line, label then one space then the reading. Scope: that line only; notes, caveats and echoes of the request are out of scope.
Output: 12:06
